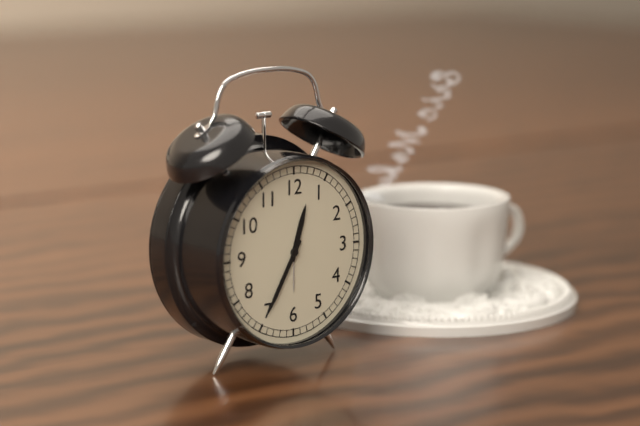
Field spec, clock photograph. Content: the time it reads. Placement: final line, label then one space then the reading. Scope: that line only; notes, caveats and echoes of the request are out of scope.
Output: 12:35
